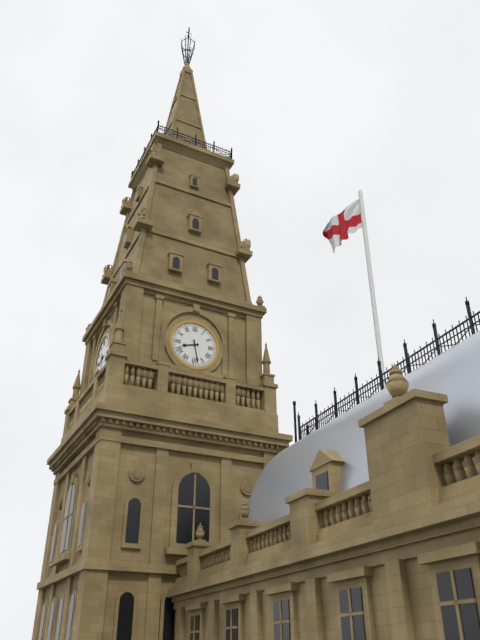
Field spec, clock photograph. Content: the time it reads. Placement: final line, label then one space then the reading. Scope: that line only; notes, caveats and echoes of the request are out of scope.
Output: 8:28
